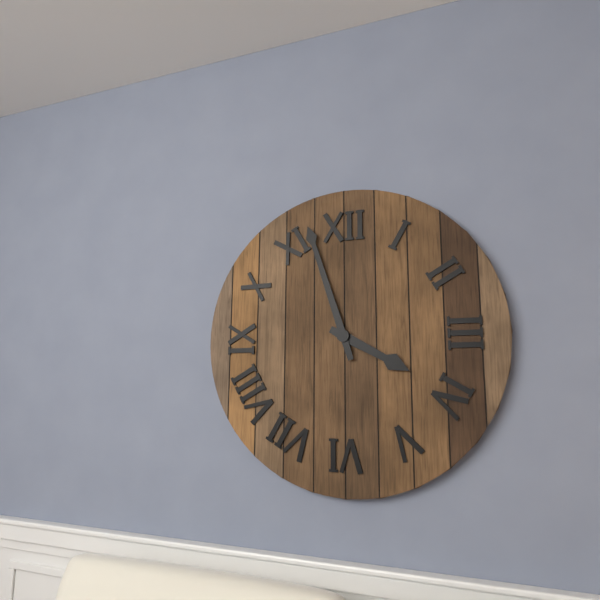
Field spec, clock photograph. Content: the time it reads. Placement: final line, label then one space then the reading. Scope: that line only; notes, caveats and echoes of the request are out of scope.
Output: 3:57
